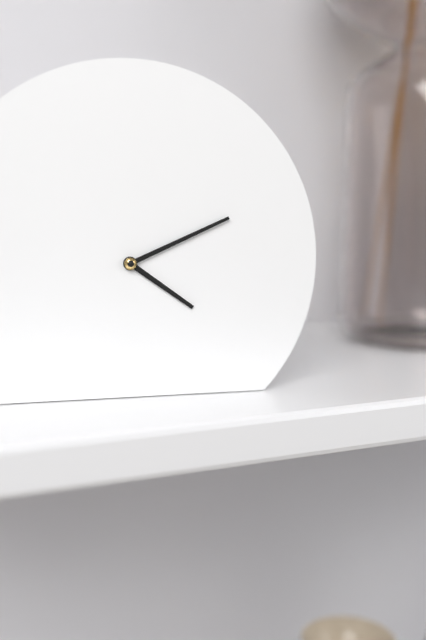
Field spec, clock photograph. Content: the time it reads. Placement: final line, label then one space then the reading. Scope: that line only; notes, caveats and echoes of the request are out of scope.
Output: 4:11
